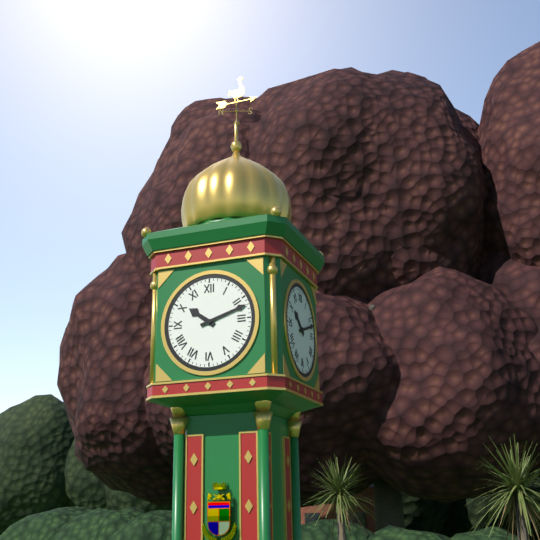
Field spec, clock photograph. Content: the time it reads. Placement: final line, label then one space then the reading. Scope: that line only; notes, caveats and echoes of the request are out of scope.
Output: 10:12
